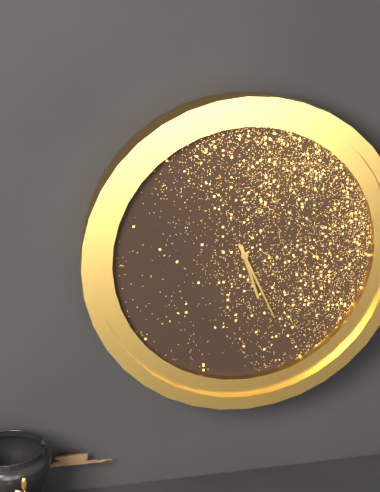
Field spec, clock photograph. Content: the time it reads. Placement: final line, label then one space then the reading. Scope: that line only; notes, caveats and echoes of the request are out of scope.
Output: 5:26
